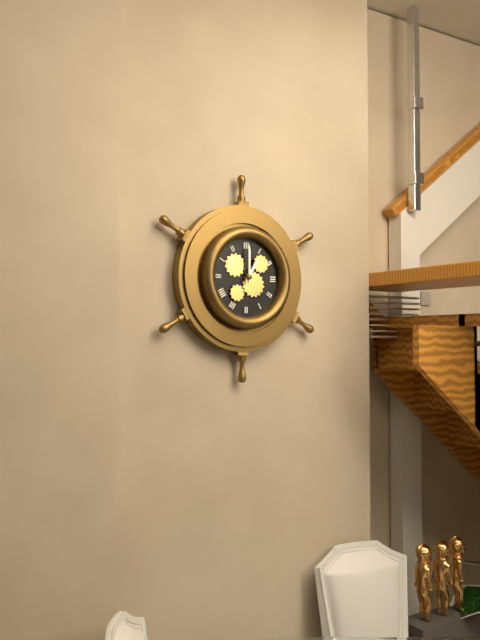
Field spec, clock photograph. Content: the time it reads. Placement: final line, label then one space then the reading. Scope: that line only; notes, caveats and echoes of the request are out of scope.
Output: 1:00
